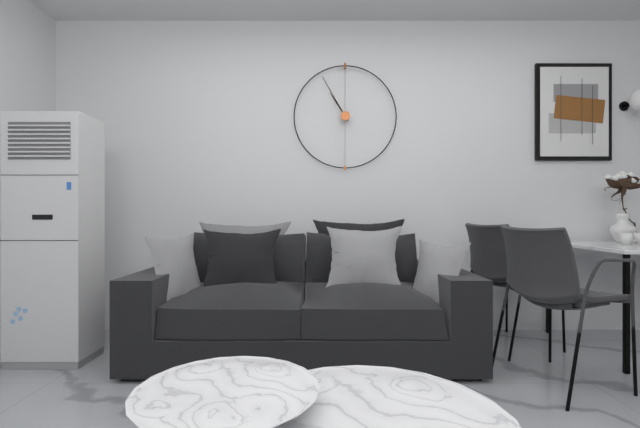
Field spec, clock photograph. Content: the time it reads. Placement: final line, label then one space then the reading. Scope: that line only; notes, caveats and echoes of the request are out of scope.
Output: 10:55
